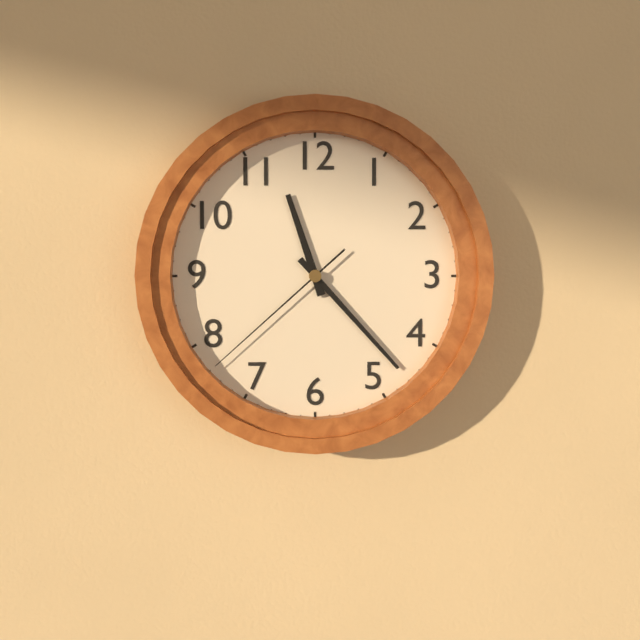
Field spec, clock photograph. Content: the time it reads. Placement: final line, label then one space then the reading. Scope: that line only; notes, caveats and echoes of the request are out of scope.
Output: 11:23:38
